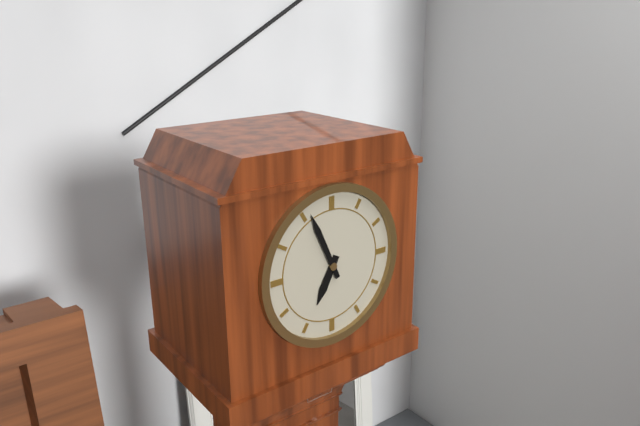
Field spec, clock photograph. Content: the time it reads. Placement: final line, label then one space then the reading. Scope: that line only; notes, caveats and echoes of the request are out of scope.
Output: 6:56
